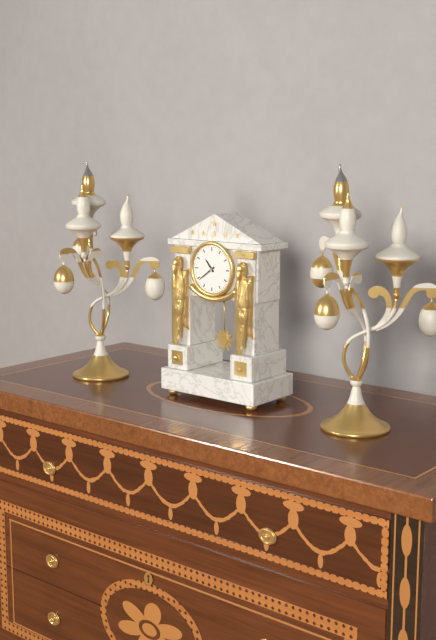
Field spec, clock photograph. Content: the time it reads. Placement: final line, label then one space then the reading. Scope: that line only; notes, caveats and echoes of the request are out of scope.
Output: 10:39
